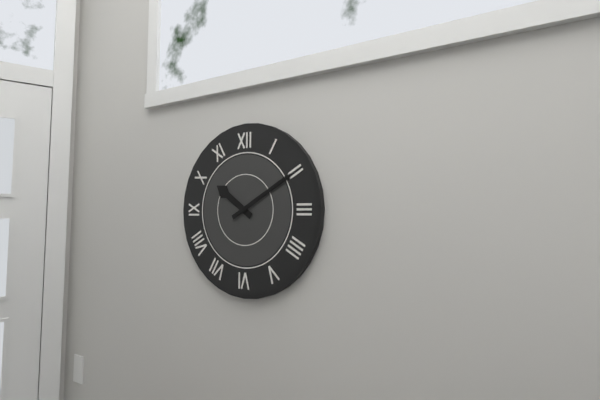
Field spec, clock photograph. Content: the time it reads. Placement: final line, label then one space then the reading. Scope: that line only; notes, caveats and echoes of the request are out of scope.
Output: 10:10
